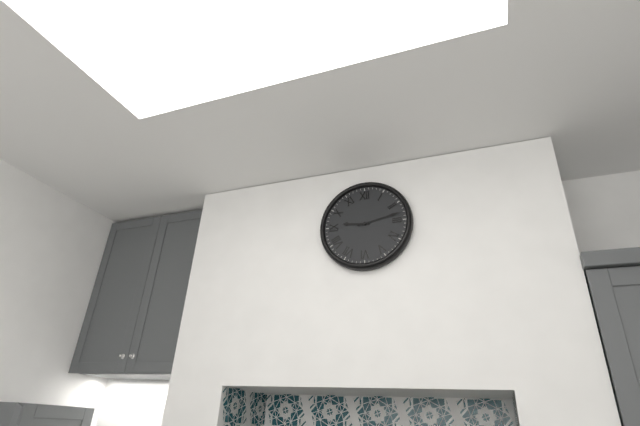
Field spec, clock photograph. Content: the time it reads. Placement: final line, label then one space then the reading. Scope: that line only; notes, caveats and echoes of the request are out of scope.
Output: 9:13
